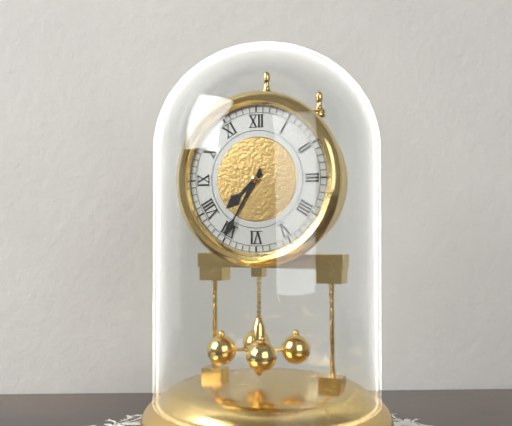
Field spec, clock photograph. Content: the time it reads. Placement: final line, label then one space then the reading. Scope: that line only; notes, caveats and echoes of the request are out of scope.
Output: 7:35
